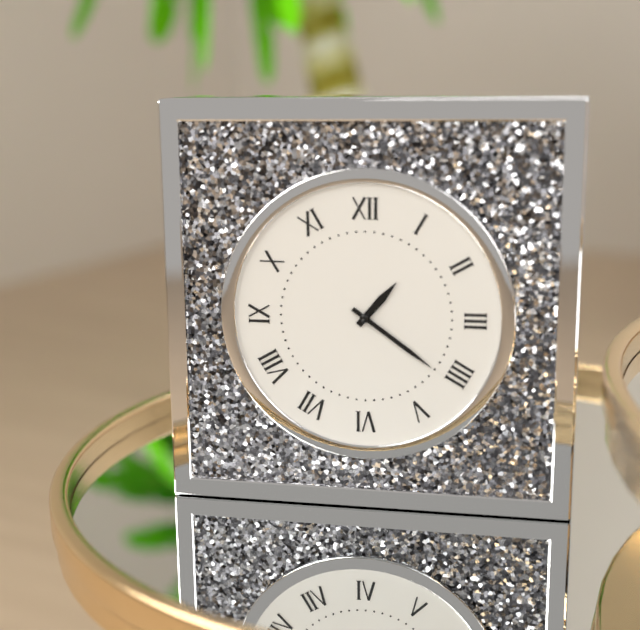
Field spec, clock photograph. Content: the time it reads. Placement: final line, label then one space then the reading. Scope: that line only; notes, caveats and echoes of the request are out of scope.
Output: 1:21
